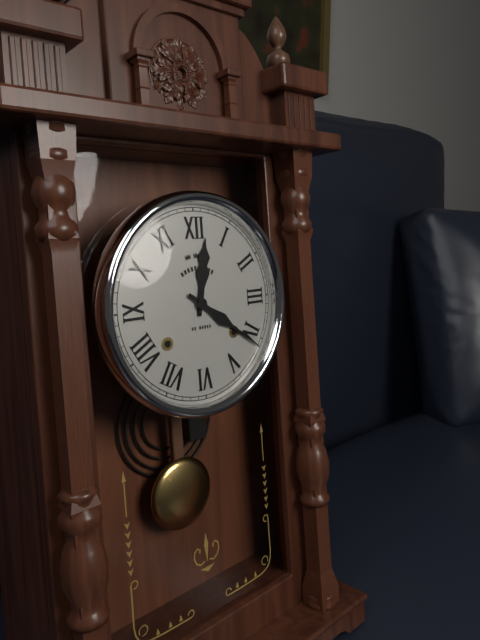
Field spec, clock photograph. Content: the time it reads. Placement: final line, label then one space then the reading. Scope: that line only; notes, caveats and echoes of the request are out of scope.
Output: 12:21
